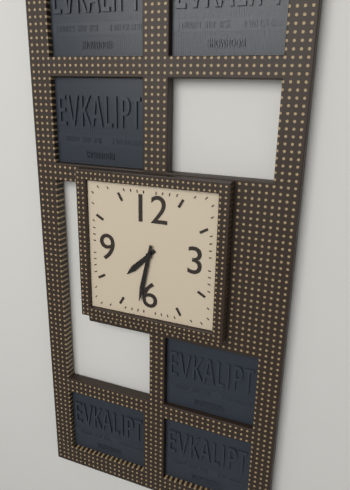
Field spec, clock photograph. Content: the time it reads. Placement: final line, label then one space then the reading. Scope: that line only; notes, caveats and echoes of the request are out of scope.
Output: 7:32
